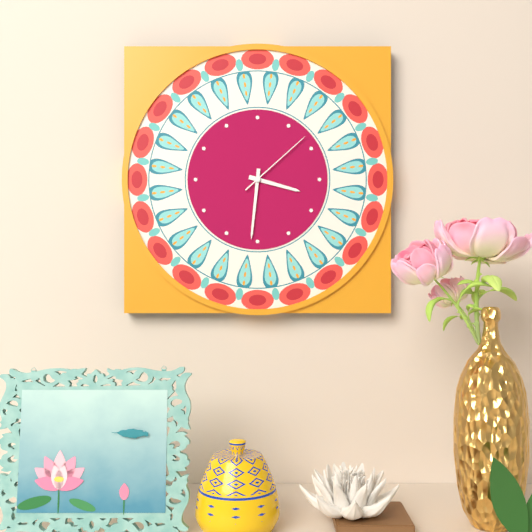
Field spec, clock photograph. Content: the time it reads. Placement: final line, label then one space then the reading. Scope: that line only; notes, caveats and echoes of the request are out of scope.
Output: 3:31:08
